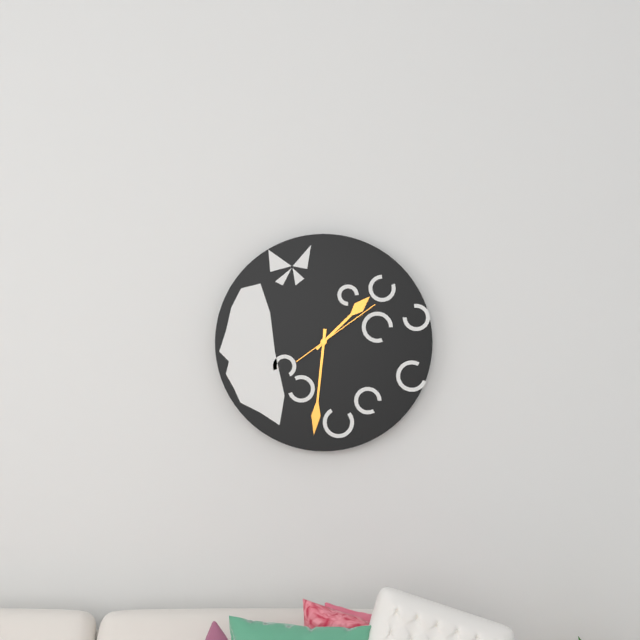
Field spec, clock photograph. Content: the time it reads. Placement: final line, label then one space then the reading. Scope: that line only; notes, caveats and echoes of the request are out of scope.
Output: 1:31:09
